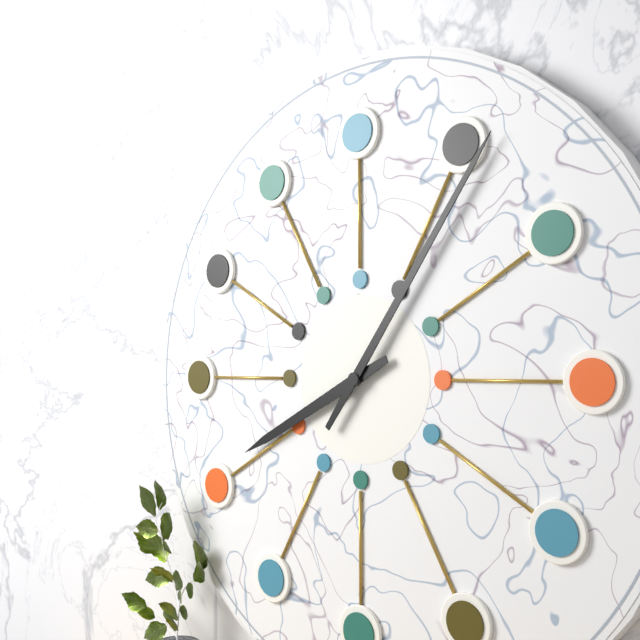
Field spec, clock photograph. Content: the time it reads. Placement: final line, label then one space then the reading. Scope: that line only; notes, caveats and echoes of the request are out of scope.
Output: 8:06
